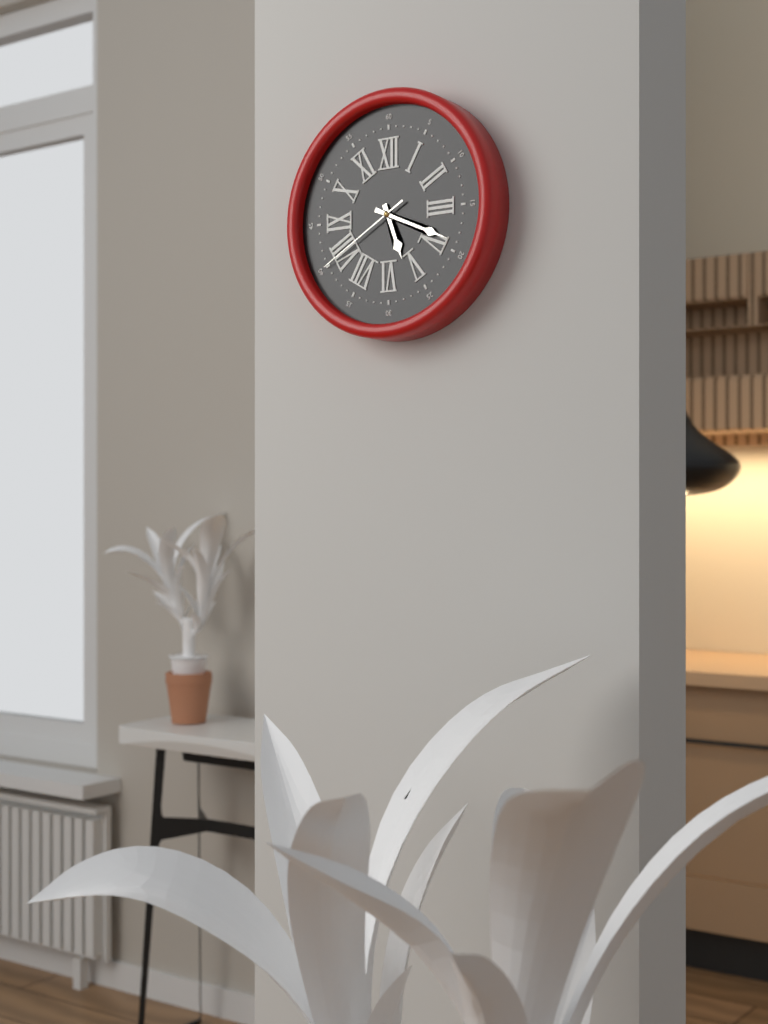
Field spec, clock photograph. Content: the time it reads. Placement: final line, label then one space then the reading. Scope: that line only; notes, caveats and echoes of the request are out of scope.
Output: 5:19:40
